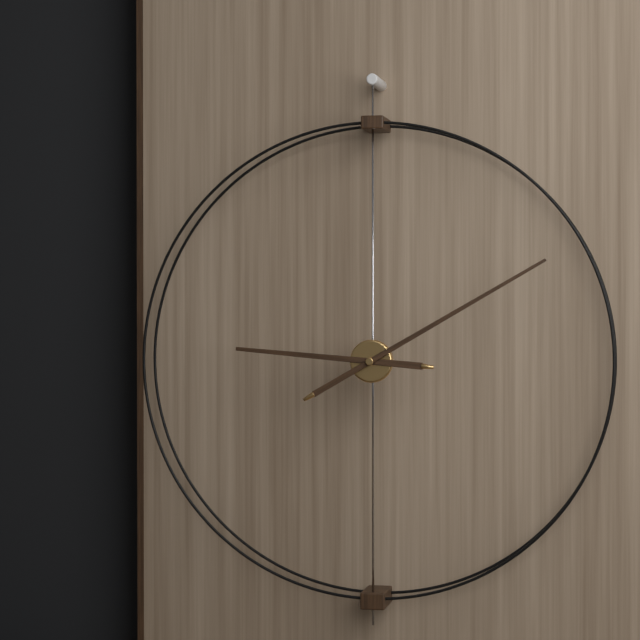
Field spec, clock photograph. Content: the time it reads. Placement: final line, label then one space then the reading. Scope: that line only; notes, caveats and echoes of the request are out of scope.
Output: 9:10
